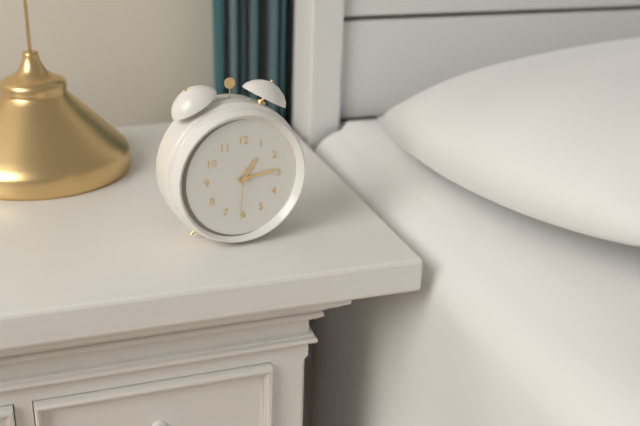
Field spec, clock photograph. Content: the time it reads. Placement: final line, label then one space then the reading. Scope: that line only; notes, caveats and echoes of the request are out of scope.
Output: 1:14:31
